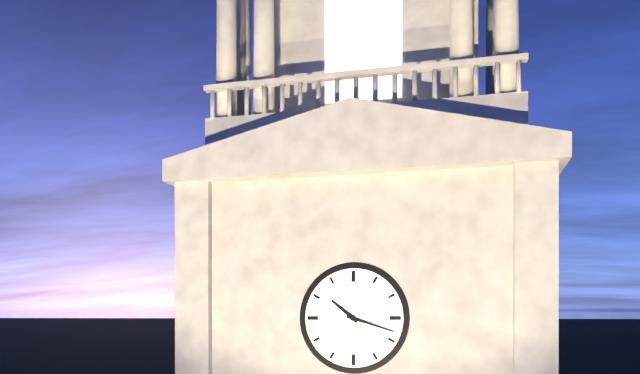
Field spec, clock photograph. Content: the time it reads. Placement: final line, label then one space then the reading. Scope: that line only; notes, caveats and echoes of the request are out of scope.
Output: 10:18
